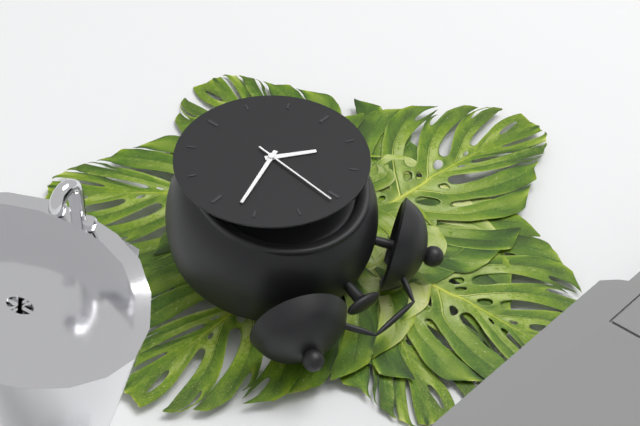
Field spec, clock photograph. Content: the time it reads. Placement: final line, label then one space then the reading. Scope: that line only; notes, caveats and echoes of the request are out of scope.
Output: 10:12:01
